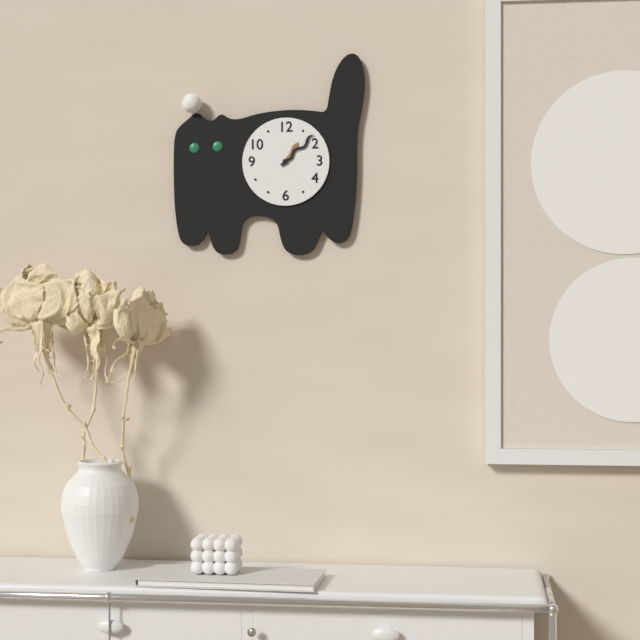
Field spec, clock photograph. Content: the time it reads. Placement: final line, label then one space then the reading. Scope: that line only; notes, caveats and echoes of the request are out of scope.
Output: 1:08
